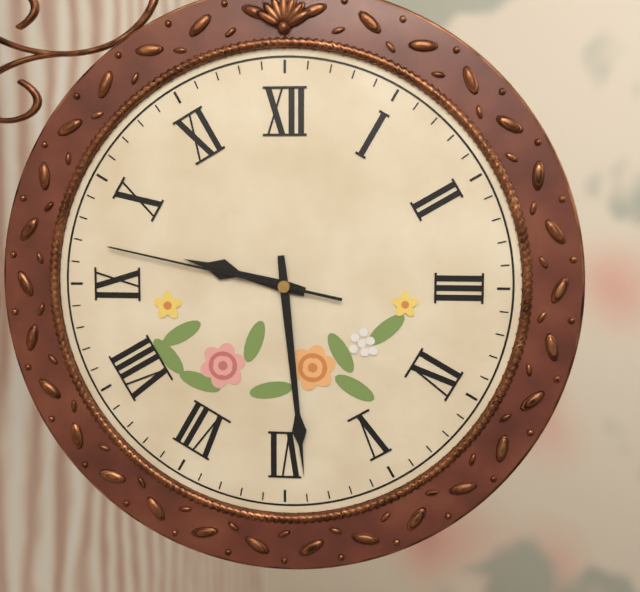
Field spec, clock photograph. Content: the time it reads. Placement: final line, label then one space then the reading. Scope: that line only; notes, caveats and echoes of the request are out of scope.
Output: 9:29:47
